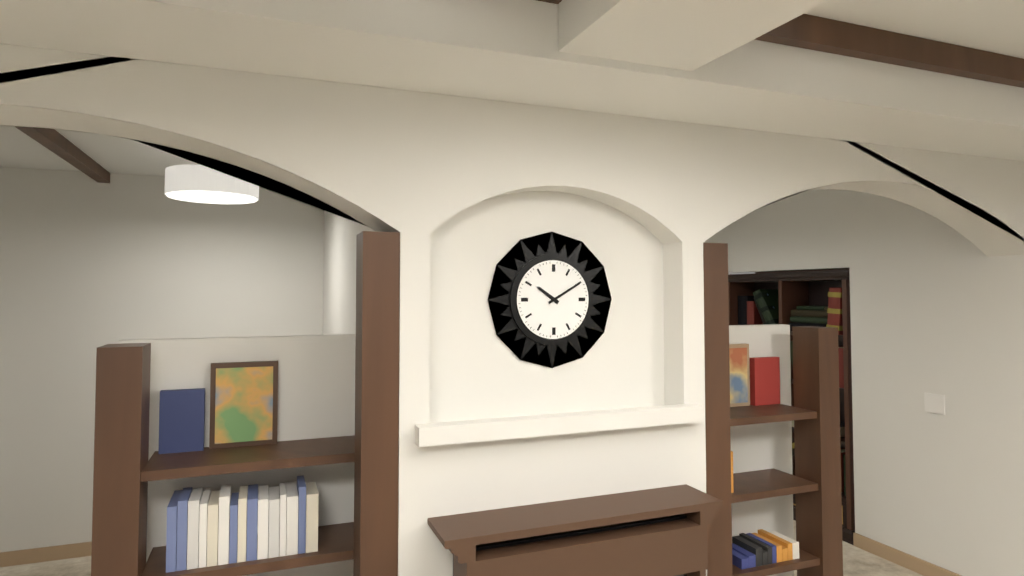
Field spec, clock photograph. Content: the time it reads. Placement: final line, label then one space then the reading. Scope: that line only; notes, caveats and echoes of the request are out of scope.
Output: 10:10
